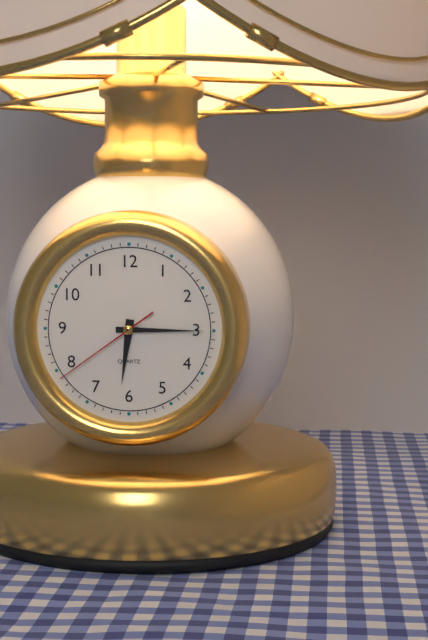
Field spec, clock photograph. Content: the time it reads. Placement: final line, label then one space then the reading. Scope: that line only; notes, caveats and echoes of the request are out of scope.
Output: 6:15:39
